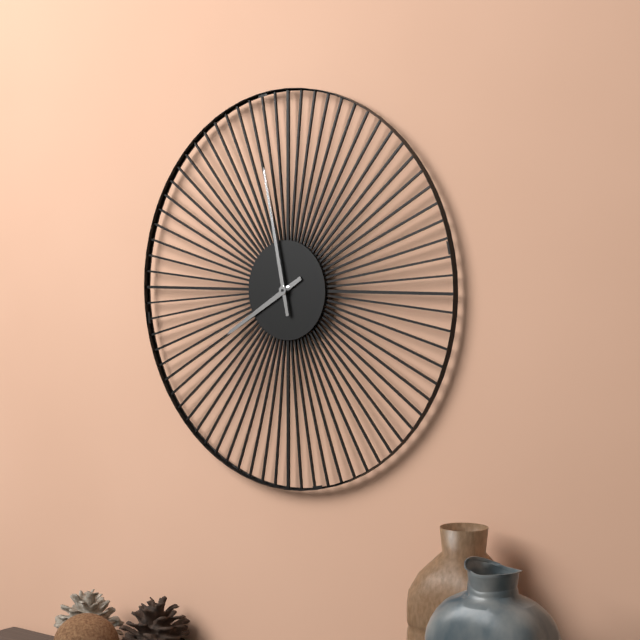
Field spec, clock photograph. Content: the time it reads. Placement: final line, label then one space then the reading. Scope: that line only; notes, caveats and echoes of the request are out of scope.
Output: 7:58
